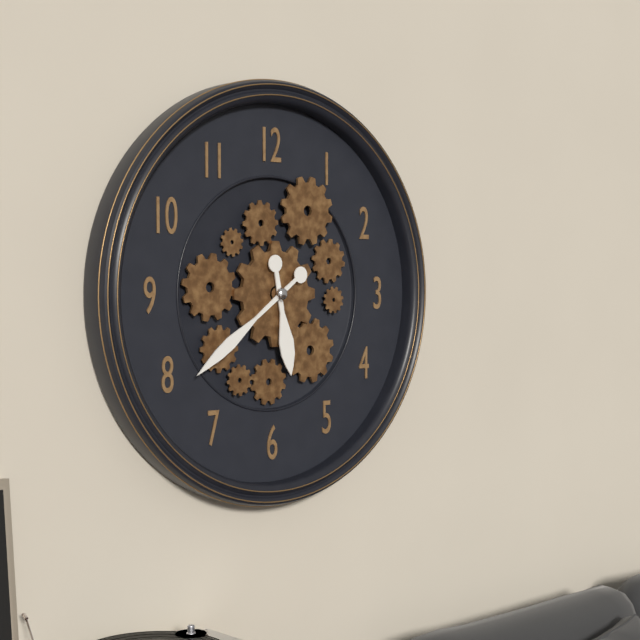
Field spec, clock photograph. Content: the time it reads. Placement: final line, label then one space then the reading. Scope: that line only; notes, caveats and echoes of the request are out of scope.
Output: 5:39
